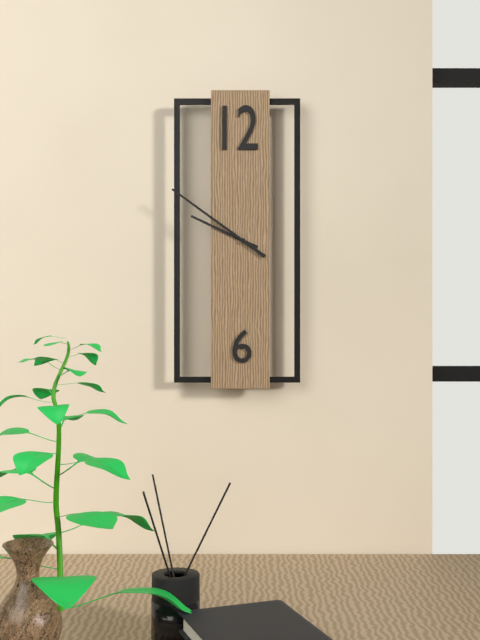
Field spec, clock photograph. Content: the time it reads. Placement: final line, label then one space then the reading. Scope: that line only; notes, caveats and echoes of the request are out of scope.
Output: 9:51
